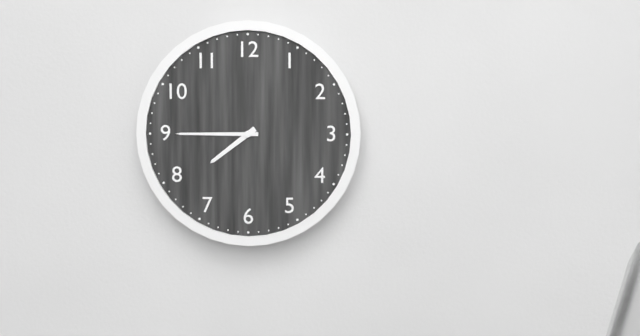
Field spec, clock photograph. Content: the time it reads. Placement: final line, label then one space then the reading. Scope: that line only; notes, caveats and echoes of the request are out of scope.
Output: 7:45
